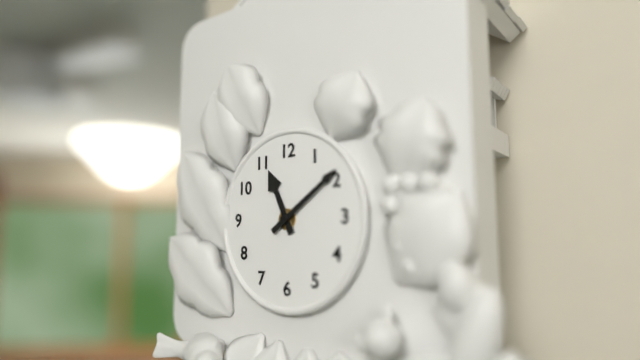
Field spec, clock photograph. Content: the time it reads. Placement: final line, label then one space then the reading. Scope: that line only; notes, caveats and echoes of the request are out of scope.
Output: 11:09
